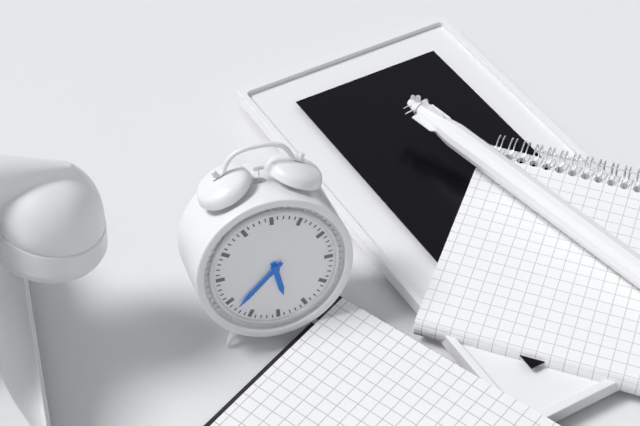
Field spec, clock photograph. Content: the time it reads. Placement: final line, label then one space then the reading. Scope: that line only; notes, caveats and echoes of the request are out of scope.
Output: 5:38
